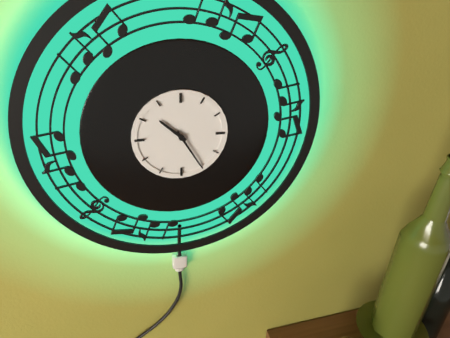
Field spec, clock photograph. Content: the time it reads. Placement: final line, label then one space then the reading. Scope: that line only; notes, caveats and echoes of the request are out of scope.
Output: 10:25
